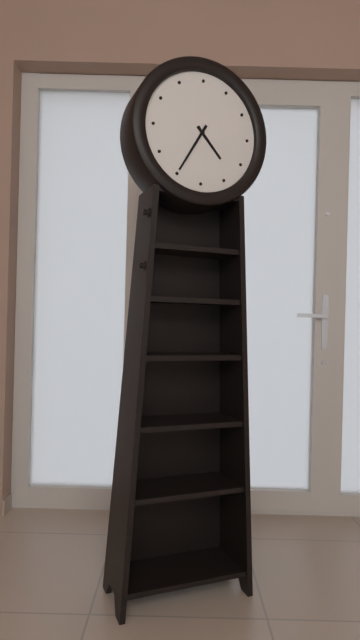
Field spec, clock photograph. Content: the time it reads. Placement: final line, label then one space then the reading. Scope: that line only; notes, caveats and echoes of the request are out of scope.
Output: 4:35
